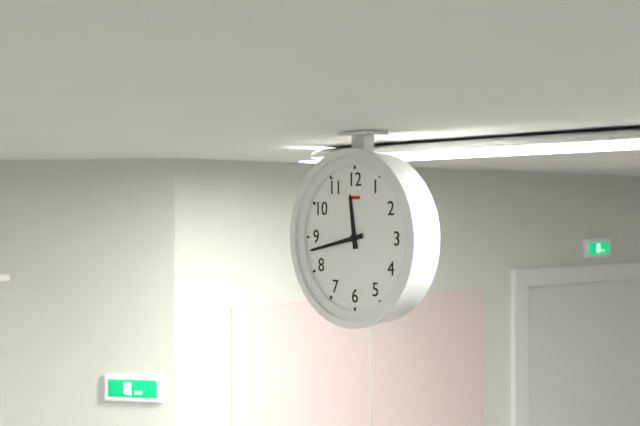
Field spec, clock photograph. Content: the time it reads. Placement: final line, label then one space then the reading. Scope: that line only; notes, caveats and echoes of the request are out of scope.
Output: 11:43
